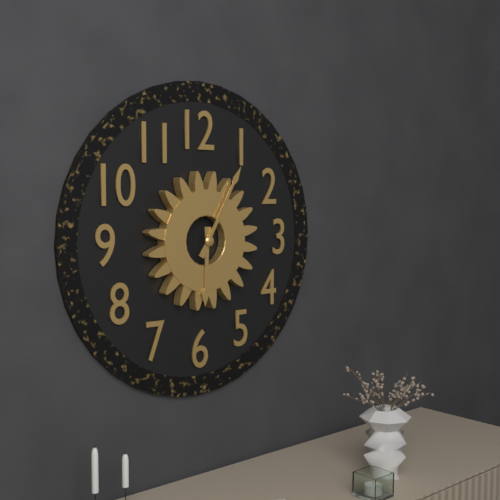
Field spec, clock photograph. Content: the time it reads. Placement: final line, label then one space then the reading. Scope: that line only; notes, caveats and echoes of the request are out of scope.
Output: 6:05
